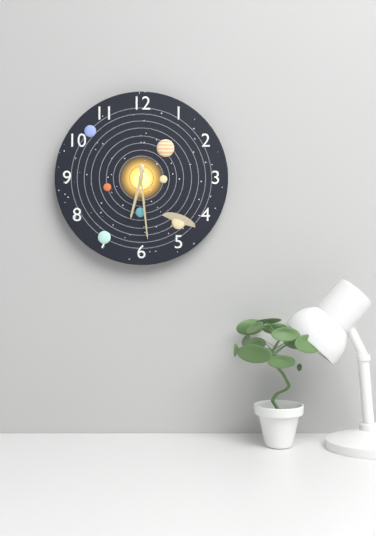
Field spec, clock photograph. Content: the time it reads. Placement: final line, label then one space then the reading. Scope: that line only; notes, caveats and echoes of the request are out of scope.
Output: 6:29
